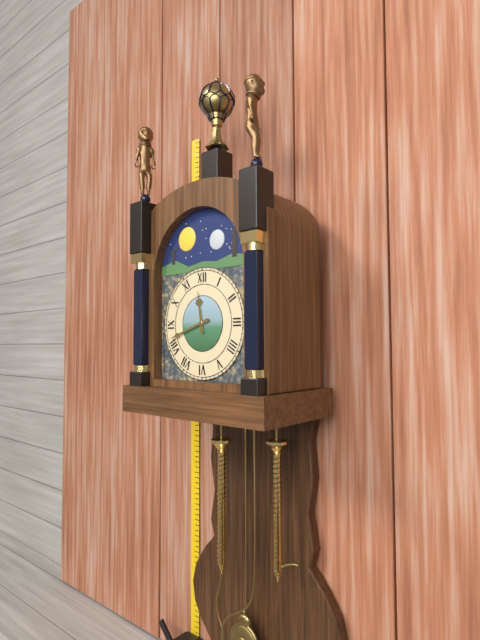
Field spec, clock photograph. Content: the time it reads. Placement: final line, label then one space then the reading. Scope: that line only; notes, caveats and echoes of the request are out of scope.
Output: 11:42
